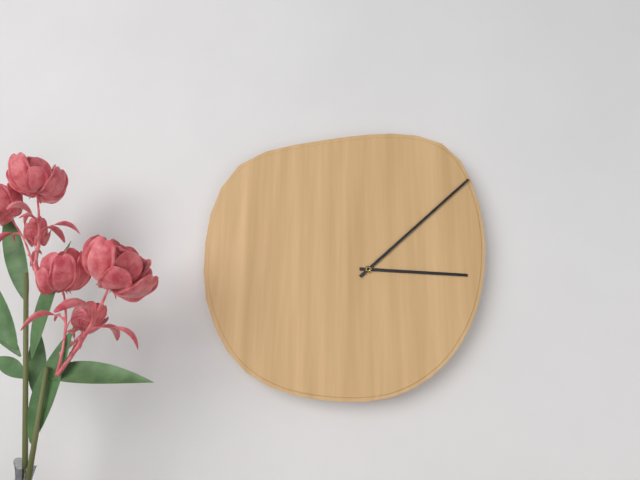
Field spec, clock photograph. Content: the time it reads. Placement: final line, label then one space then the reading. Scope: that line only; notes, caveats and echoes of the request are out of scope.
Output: 3:08
